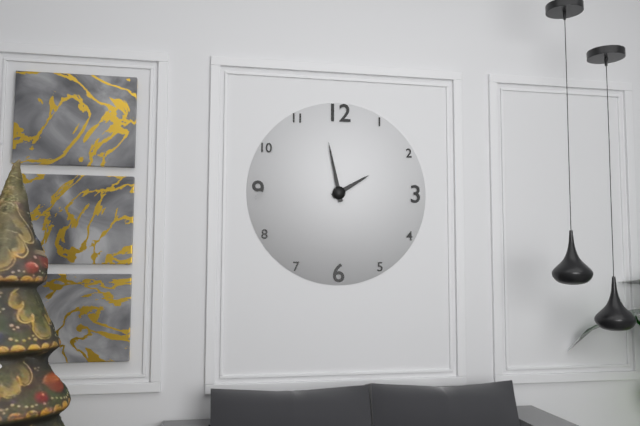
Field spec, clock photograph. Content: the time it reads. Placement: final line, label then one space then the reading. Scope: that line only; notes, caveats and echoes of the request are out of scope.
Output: 1:58
